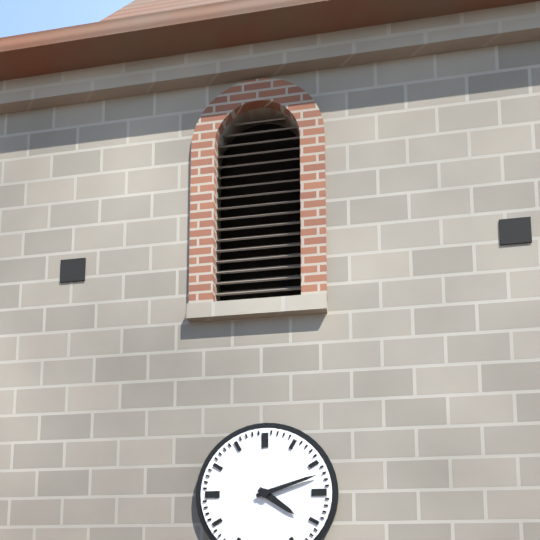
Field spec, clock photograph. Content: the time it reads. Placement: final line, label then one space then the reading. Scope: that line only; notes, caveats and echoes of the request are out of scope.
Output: 4:12
